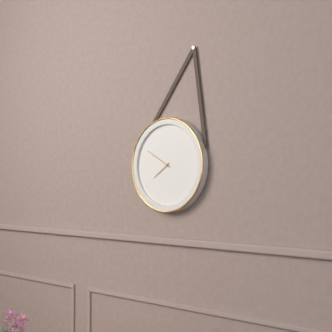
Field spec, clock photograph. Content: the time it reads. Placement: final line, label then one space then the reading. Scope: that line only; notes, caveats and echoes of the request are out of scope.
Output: 7:50
